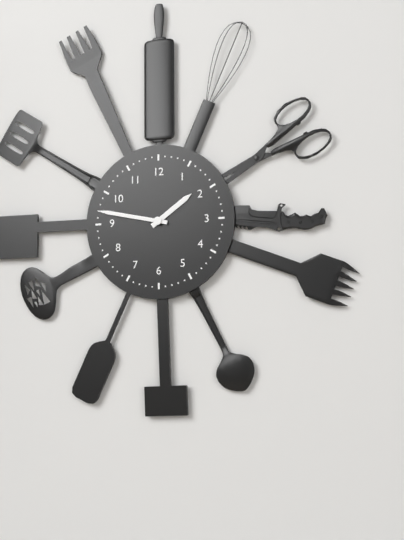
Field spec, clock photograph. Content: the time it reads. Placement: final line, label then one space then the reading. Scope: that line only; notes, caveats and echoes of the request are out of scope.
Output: 1:47
